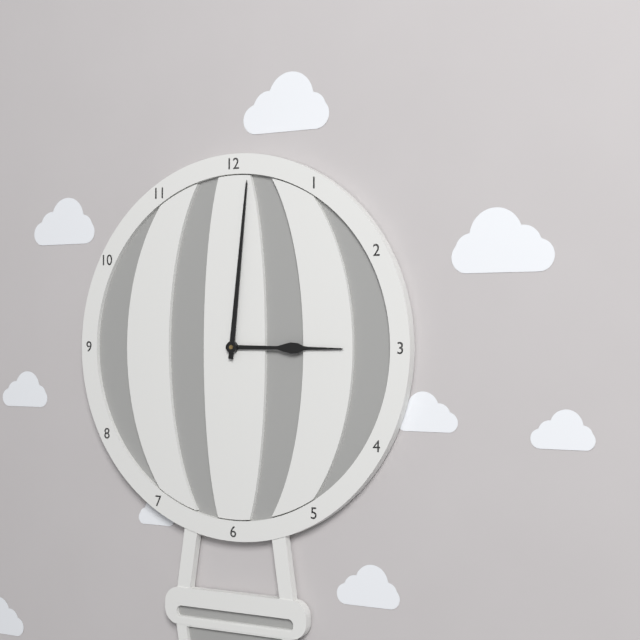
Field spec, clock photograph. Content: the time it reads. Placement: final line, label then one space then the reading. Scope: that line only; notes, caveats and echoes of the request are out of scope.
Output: 3:01
